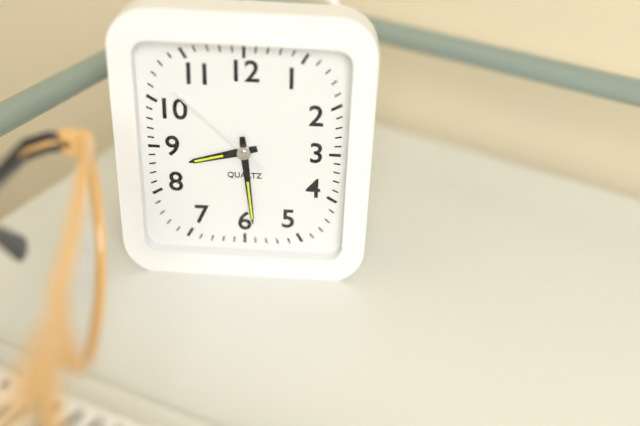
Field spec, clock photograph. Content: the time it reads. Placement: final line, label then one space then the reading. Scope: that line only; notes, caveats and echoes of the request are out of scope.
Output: 8:29:52
